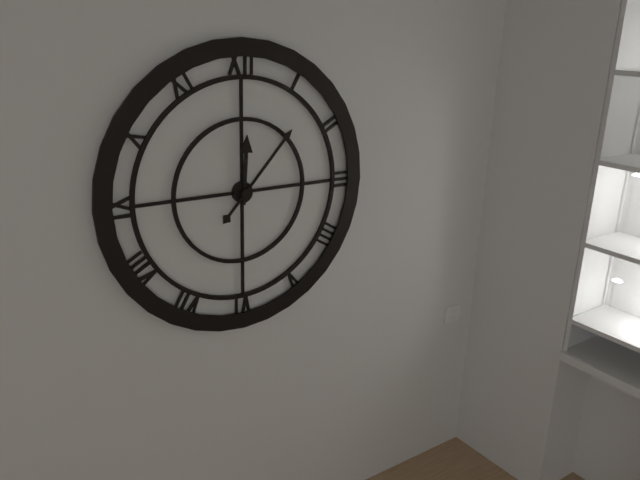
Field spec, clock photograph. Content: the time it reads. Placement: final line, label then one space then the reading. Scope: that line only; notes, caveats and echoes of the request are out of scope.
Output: 12:07
